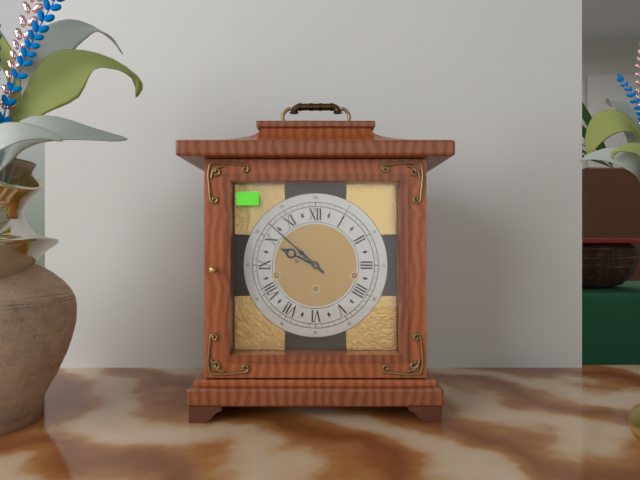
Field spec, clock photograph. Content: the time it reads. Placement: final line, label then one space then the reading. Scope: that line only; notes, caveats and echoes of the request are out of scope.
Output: 9:52
